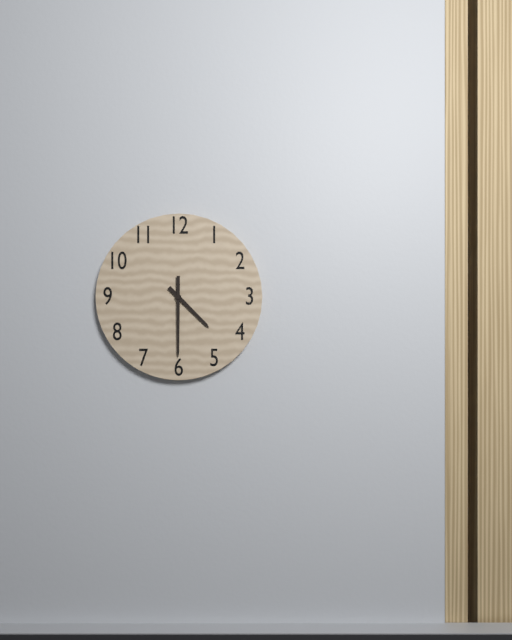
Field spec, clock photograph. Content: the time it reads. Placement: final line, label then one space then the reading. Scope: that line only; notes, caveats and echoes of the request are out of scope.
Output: 4:30
